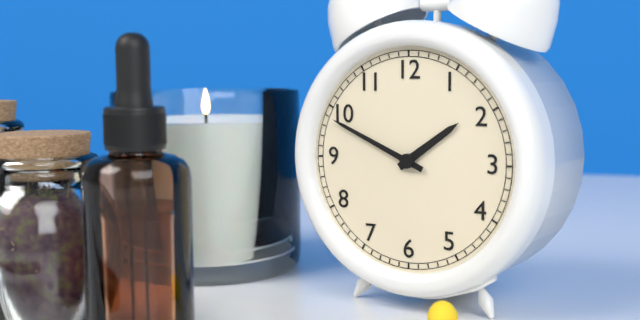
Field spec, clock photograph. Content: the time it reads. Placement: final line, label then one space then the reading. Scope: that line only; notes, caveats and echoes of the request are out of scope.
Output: 1:49
